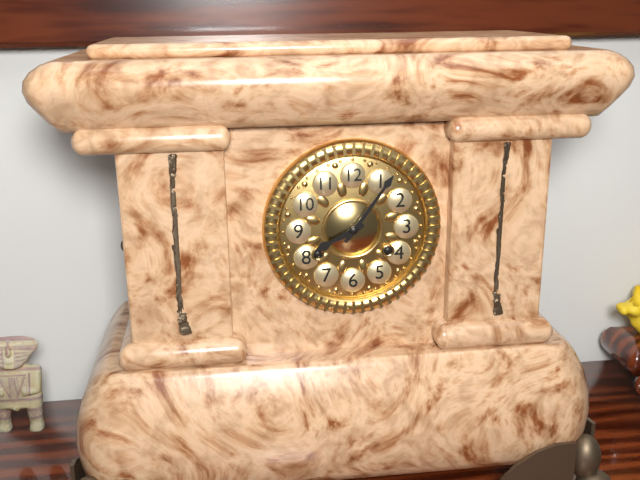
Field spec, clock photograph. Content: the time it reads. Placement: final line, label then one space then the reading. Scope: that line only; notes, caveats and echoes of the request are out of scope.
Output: 8:06
